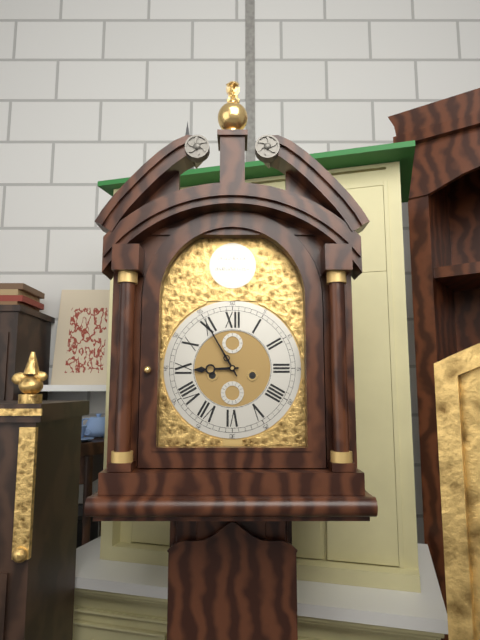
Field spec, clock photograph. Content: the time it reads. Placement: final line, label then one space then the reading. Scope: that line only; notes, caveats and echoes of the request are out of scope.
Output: 8:55
